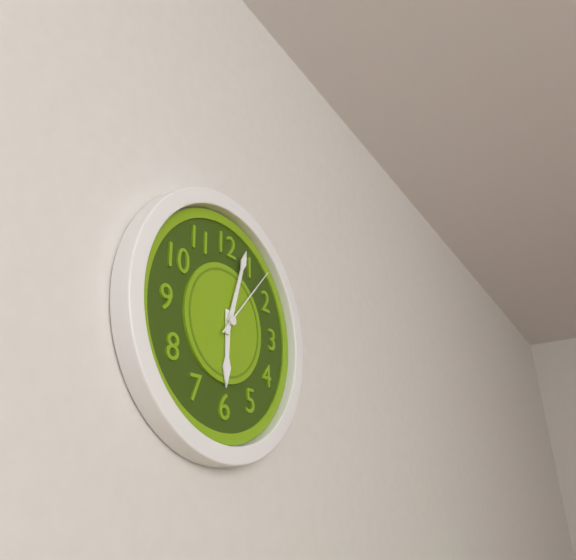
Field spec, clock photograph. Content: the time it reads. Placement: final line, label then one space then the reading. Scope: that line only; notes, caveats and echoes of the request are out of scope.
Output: 6:03:07
